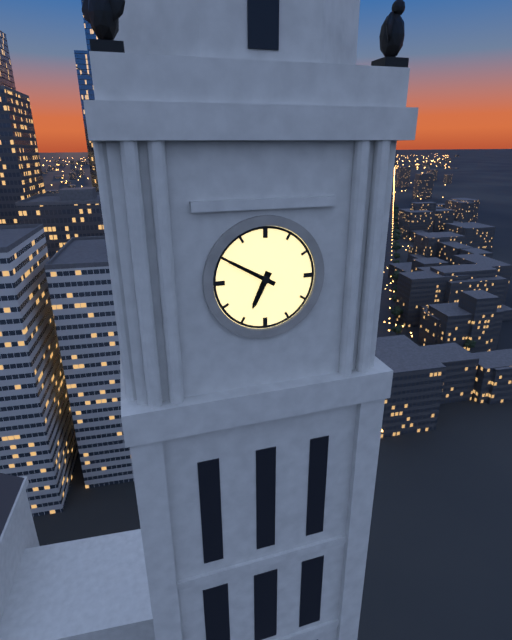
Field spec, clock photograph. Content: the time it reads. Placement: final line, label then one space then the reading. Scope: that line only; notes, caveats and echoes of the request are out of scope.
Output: 6:50
